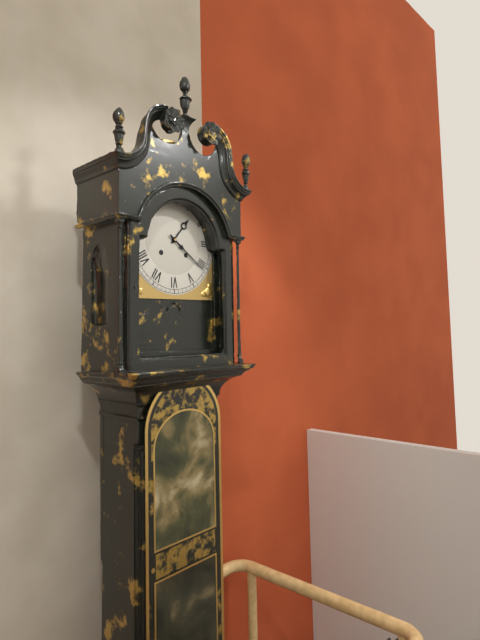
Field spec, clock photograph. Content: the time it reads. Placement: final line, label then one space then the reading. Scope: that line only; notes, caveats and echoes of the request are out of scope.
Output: 1:21
